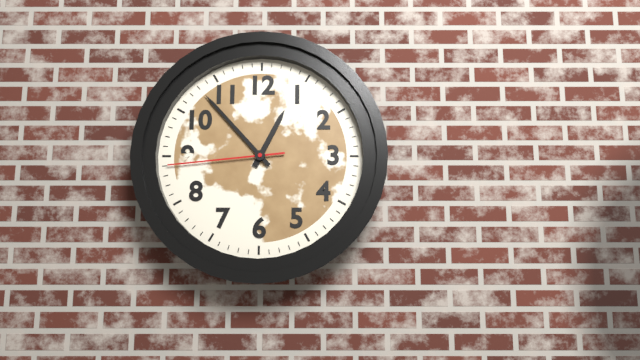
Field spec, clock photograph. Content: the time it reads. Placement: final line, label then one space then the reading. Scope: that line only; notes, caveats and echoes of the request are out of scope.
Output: 12:53:44
